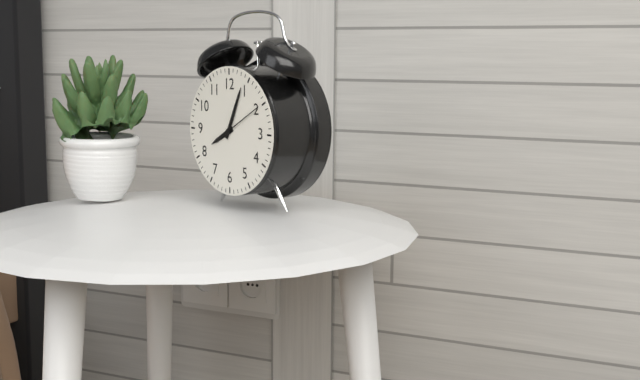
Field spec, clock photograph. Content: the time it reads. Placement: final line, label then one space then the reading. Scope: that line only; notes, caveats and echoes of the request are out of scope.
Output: 8:04
